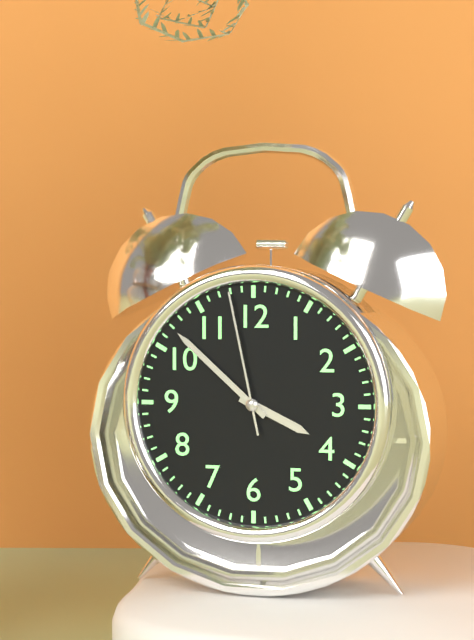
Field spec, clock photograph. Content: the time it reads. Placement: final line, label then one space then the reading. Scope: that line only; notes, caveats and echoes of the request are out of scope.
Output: 3:52:58
